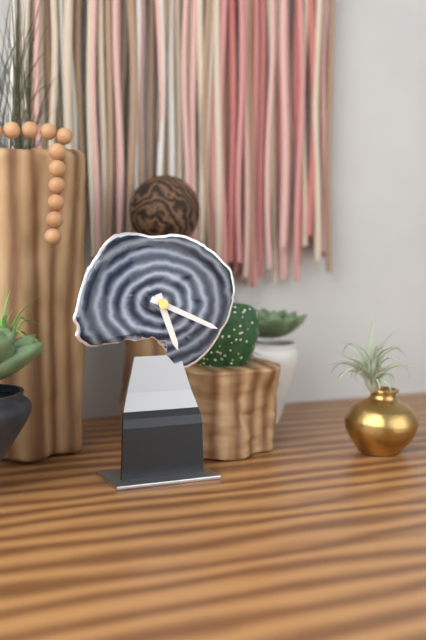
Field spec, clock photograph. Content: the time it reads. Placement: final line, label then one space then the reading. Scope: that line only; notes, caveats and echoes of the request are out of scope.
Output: 5:19
